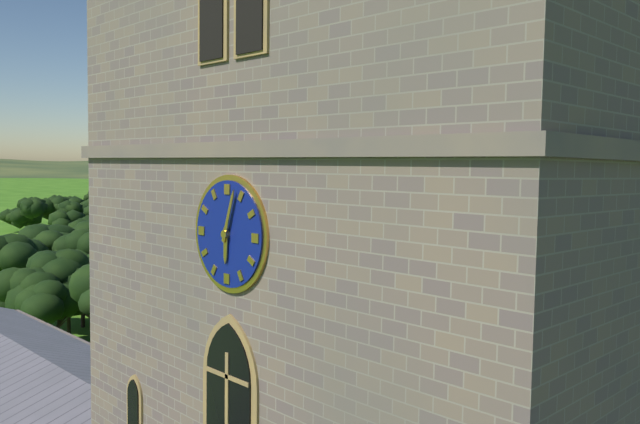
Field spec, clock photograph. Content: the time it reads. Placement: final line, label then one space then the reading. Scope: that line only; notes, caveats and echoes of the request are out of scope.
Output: 6:03
